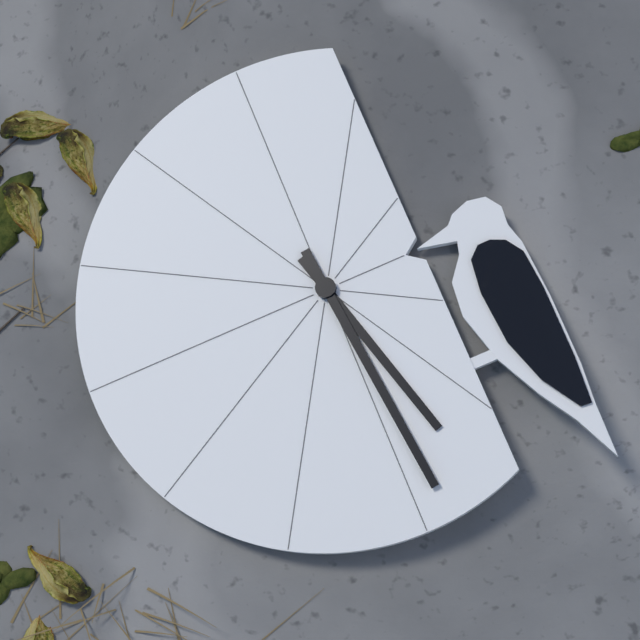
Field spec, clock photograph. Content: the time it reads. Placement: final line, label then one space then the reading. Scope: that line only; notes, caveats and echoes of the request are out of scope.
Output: 5:29
